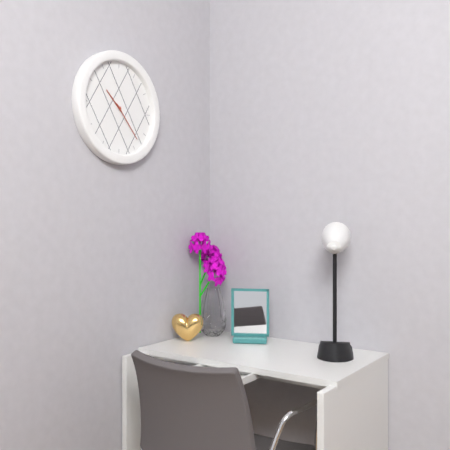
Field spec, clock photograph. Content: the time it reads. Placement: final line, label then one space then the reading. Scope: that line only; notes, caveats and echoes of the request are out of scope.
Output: 10:23
